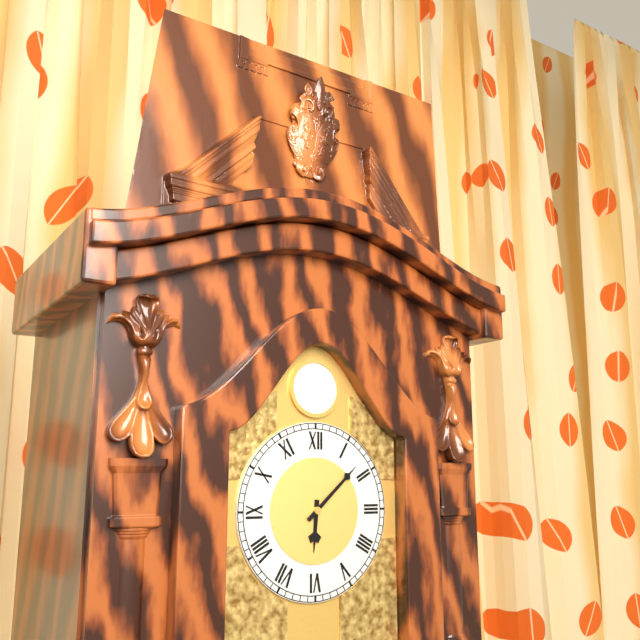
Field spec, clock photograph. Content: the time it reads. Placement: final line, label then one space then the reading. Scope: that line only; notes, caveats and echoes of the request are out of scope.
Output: 6:08
